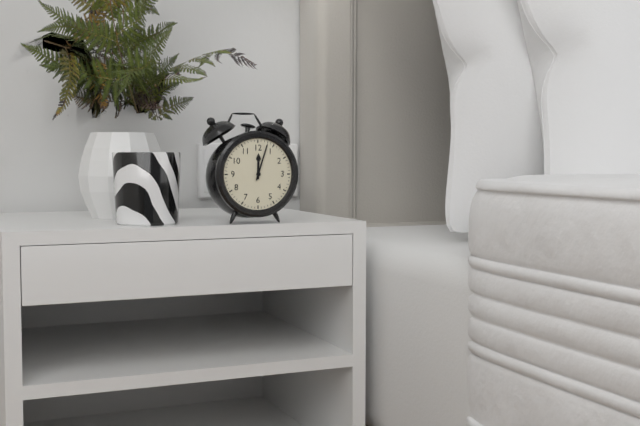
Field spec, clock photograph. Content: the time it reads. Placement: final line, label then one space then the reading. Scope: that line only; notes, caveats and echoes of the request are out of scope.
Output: 12:03
